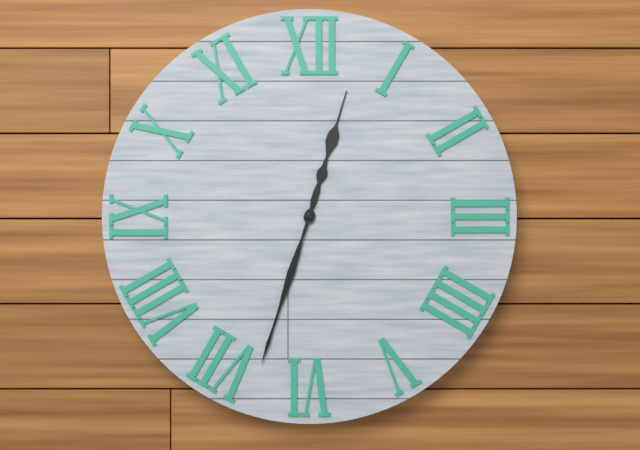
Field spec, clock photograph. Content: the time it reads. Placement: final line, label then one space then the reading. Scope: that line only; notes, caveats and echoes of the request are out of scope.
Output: 12:33
